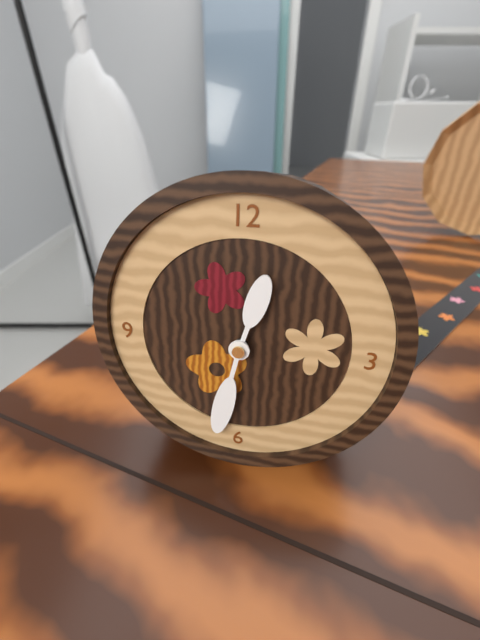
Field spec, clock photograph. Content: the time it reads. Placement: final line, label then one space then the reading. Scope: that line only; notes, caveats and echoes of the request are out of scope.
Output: 12:32
